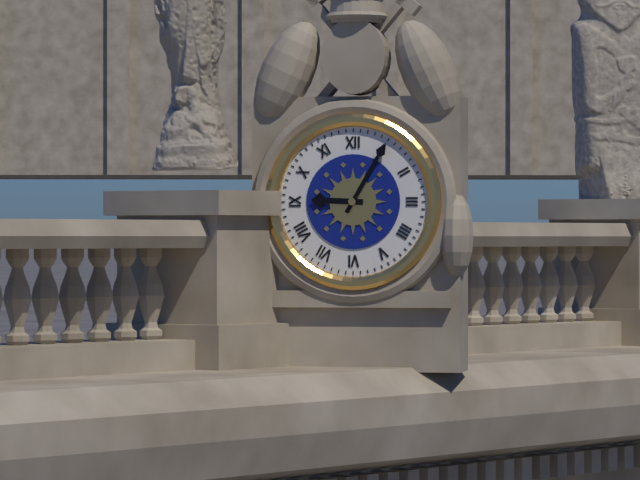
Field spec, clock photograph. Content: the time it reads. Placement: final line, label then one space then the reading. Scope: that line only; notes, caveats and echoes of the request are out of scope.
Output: 9:05
